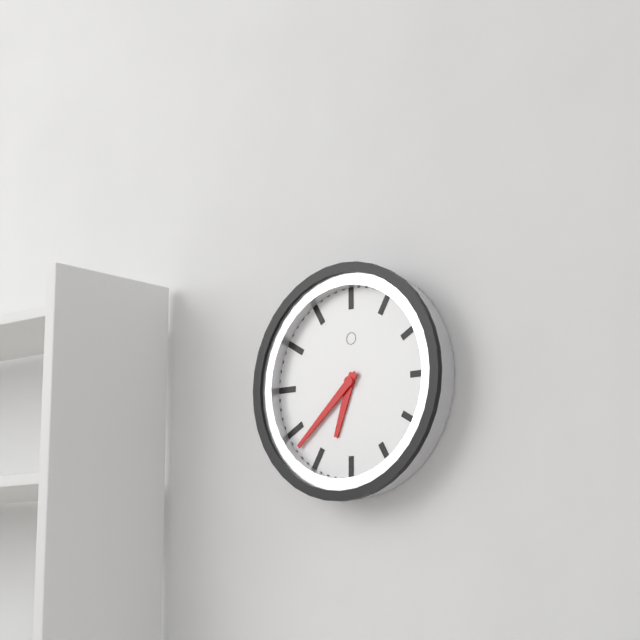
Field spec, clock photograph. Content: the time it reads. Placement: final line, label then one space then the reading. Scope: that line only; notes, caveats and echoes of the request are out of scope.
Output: 6:38
